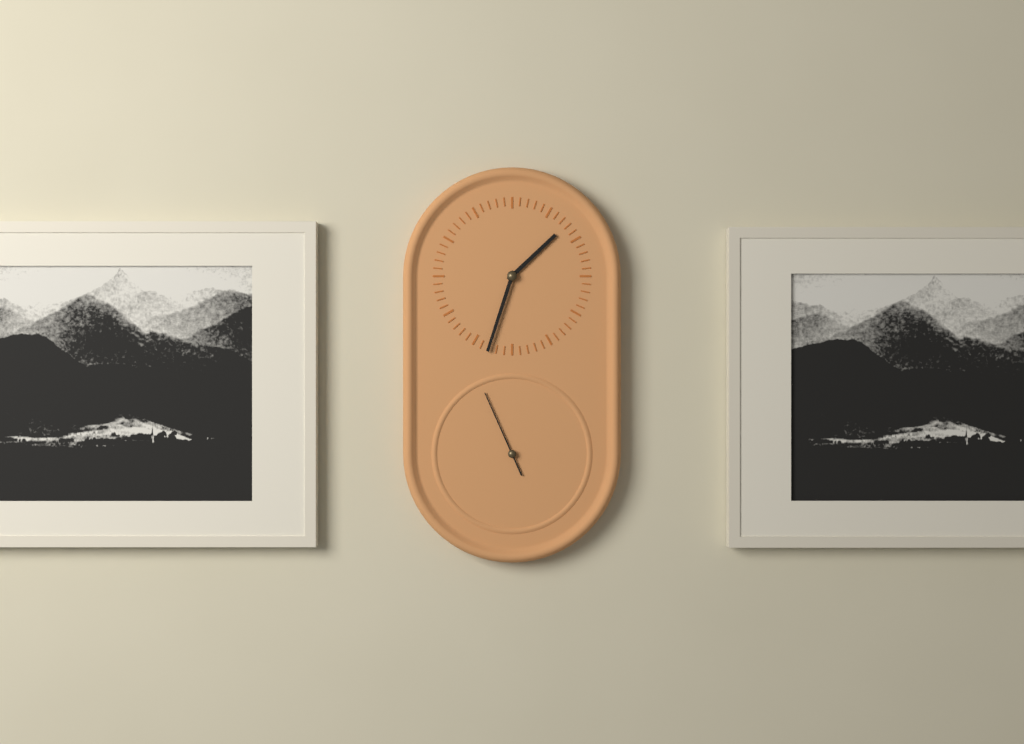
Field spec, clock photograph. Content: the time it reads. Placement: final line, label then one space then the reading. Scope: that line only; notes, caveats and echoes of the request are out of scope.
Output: 1:33:56
